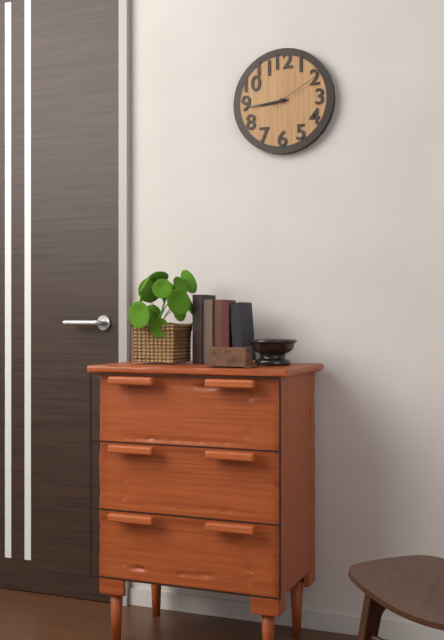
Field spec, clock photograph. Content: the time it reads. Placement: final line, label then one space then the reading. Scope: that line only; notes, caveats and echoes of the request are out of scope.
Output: 8:44:10
